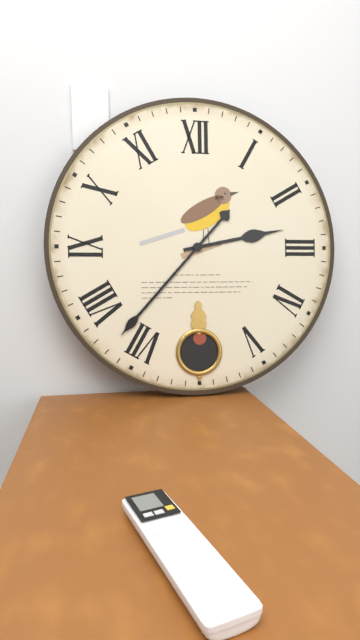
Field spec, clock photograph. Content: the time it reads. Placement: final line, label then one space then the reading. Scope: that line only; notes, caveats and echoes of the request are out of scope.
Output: 2:37
